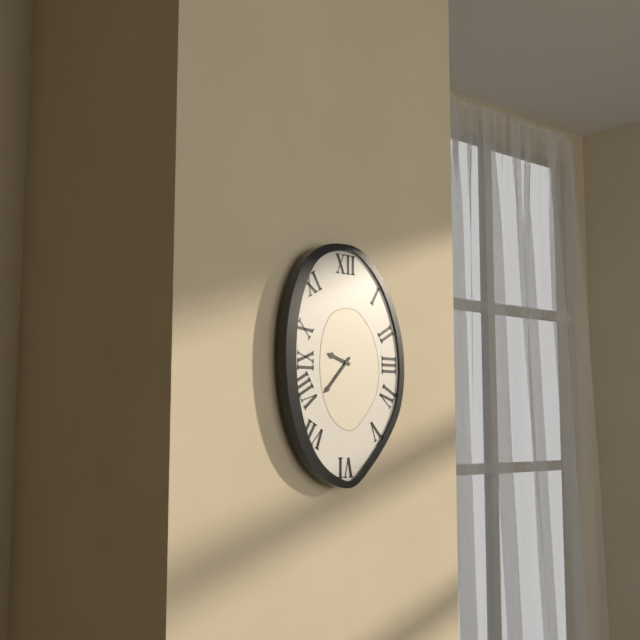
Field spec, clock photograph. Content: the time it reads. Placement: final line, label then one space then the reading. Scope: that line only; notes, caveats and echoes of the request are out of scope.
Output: 9:37
